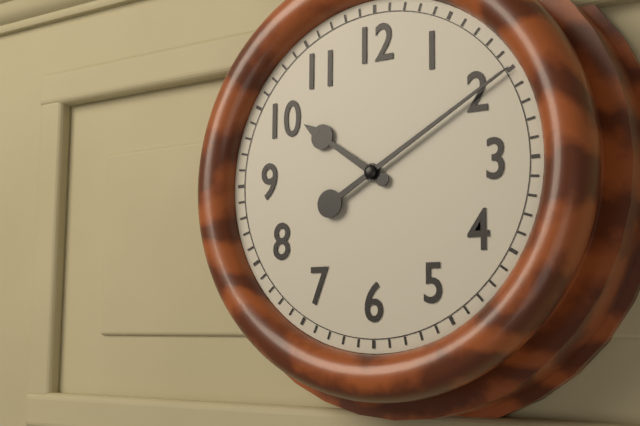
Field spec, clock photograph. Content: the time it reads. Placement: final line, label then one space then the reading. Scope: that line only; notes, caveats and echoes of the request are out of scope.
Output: 10:10
